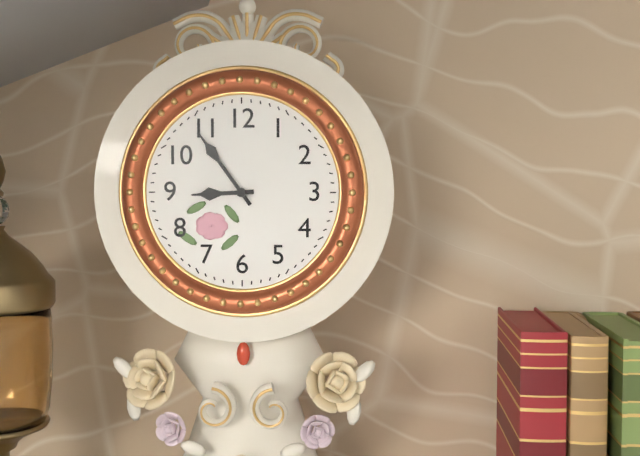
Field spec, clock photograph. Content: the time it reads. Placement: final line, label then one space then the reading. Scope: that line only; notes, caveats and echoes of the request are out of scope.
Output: 8:54
